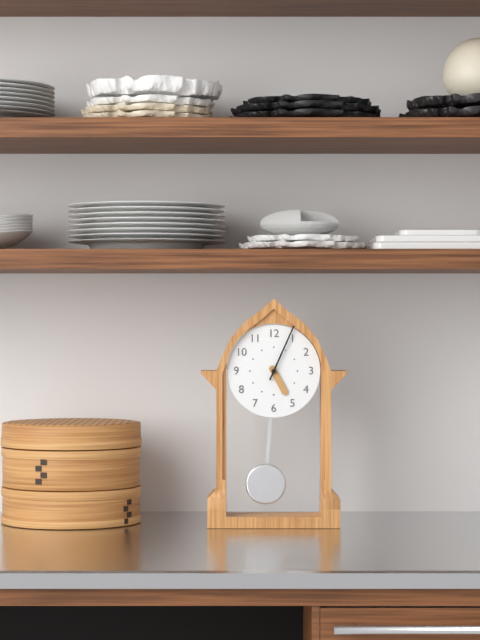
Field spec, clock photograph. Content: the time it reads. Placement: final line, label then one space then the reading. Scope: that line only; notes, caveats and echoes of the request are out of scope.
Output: 5:04
